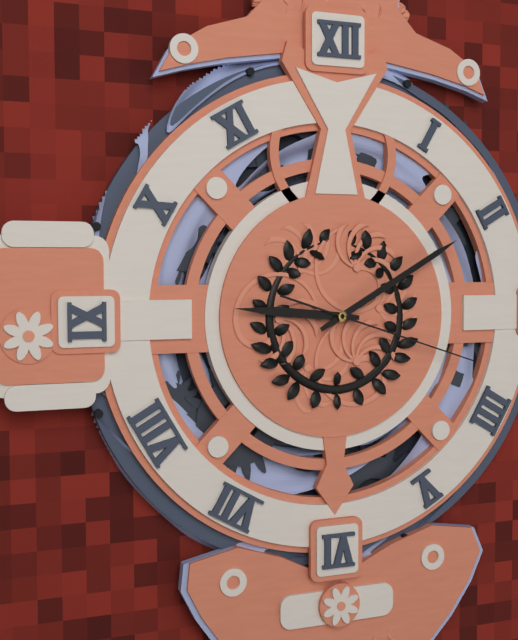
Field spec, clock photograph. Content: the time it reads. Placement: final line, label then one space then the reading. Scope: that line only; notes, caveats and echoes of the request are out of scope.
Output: 9:10:18
